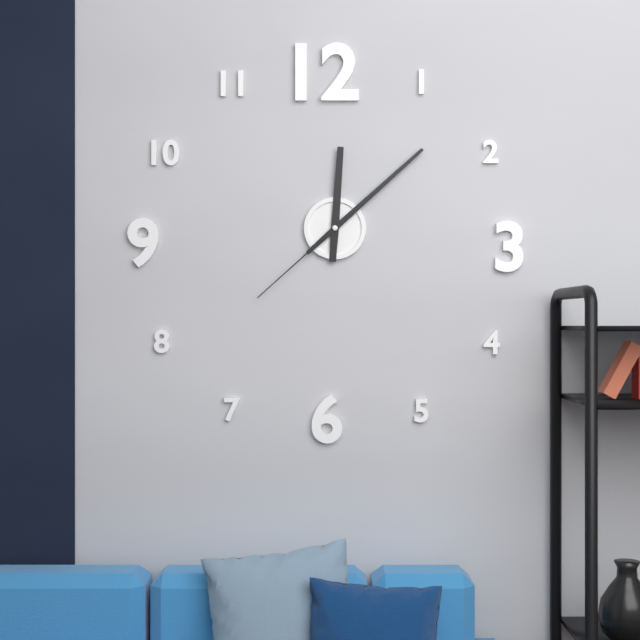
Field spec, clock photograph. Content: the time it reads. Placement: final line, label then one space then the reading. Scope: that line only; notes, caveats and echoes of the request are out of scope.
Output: 12:08:38
